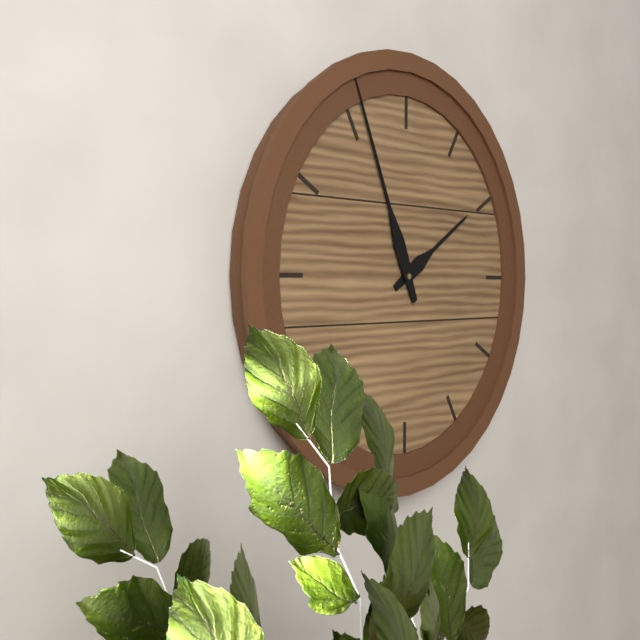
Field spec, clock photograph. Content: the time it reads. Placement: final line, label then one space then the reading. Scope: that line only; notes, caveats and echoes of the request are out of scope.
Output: 1:56
